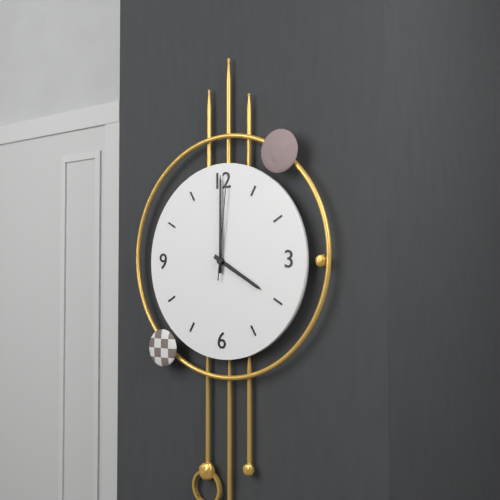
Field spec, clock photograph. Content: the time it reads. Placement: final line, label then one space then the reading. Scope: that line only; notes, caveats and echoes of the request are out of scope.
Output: 4:00:01
